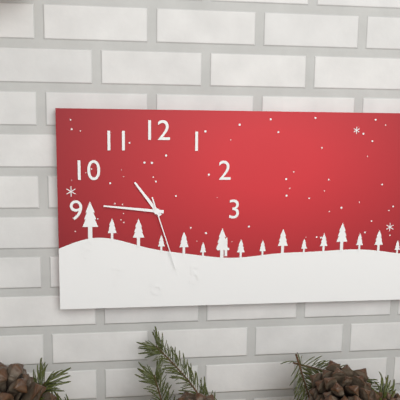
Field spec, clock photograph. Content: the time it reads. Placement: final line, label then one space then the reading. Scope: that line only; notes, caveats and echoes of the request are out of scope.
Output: 10:46:27
